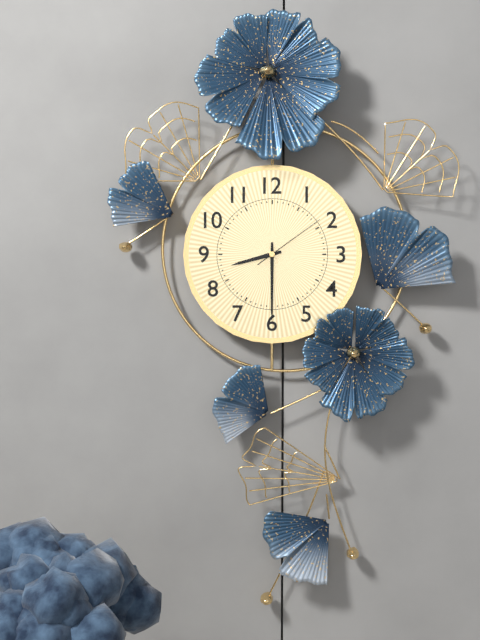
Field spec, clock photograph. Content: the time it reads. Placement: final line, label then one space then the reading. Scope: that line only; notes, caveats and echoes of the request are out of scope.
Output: 8:30:09
